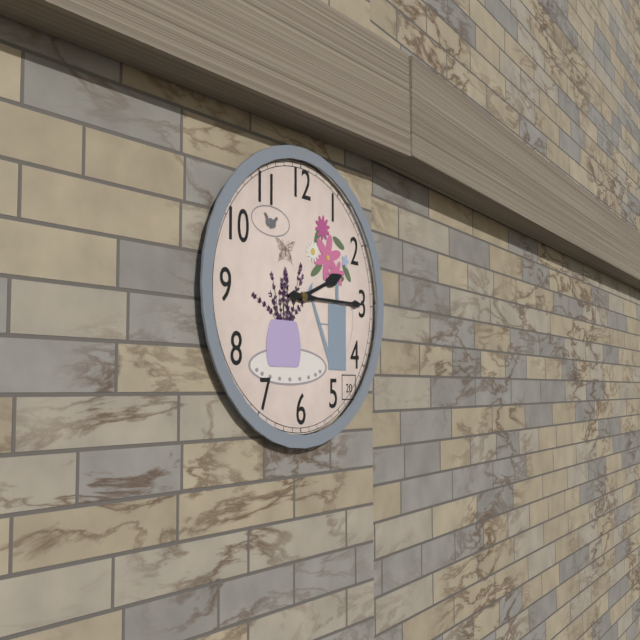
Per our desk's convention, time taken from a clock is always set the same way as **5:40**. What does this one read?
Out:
**2:15**
